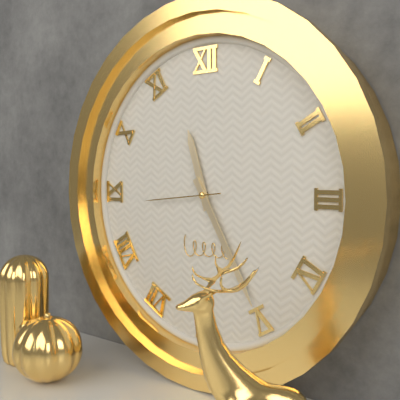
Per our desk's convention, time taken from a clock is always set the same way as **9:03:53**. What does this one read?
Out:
**11:25:44**
